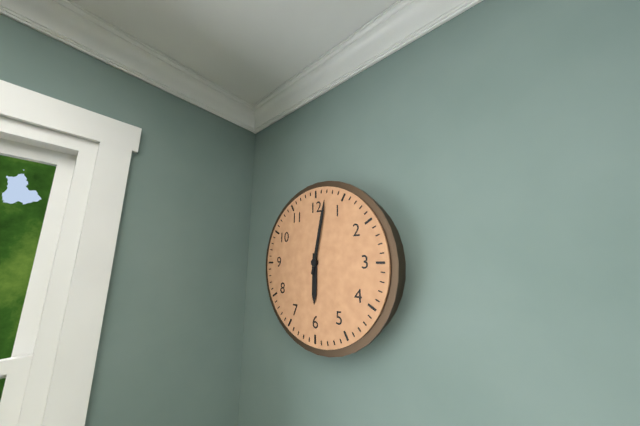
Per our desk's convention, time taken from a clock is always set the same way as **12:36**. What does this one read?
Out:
**6:02**
